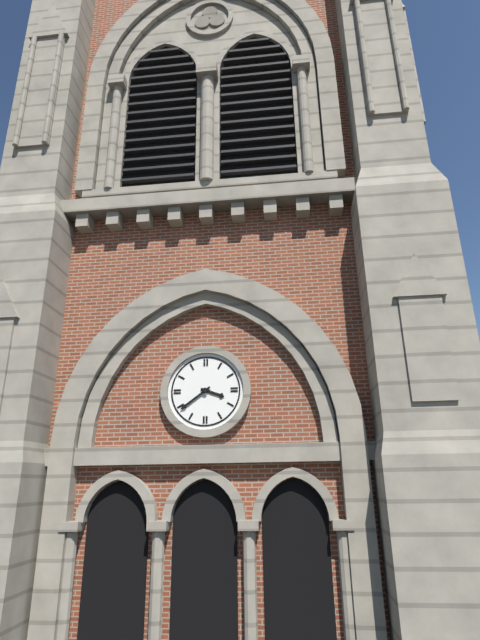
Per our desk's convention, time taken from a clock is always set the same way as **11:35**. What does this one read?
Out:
**3:39**
